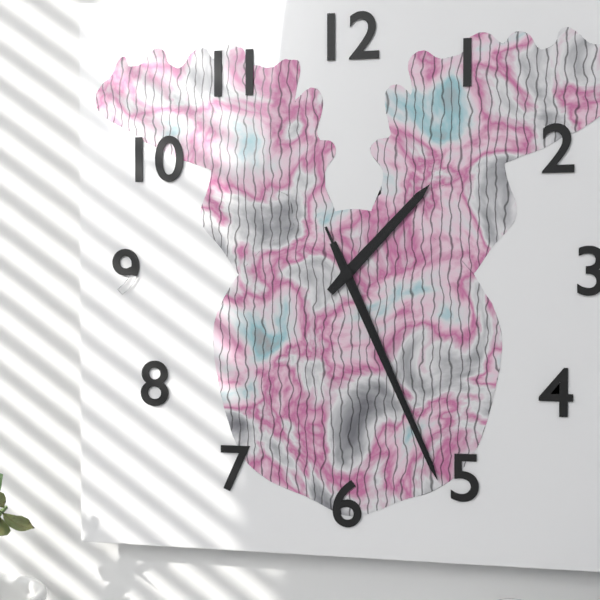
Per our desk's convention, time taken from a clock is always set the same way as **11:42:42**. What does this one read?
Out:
**1:26:26**
